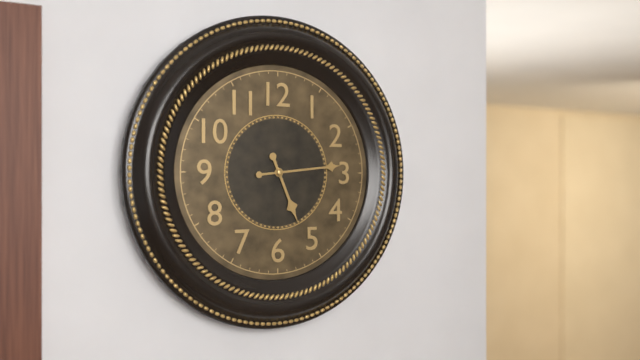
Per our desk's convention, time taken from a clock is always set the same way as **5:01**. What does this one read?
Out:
**5:14**
